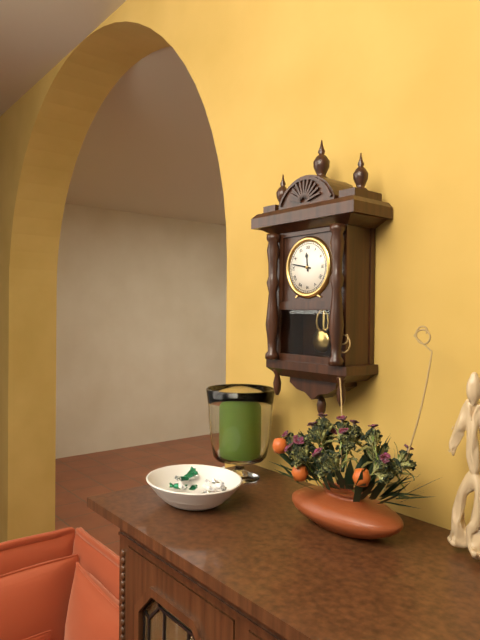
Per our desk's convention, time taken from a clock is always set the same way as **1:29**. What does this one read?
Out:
**11:47**
